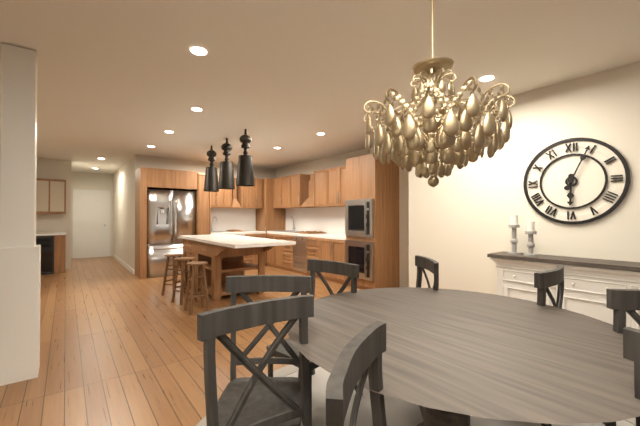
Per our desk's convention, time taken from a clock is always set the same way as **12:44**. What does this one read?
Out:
**6:04**
